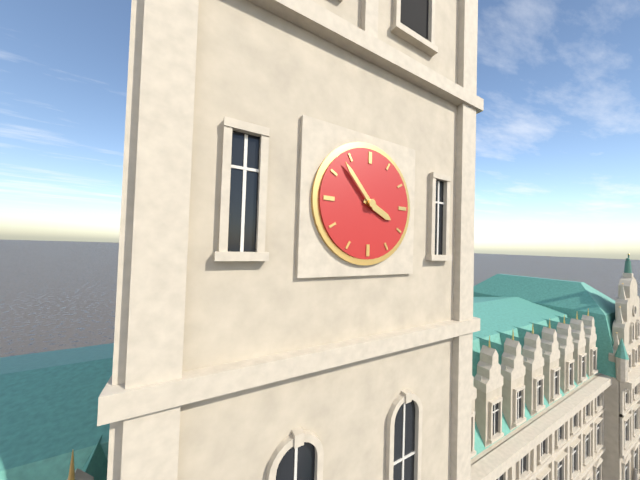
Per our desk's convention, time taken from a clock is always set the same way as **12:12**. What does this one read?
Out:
**3:53**
